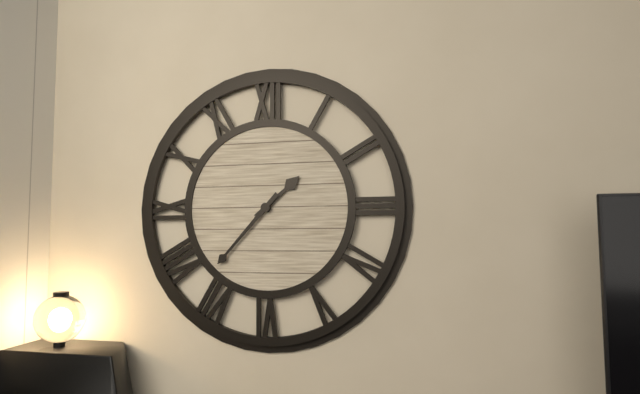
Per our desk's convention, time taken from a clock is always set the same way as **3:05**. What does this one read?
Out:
**1:37**
